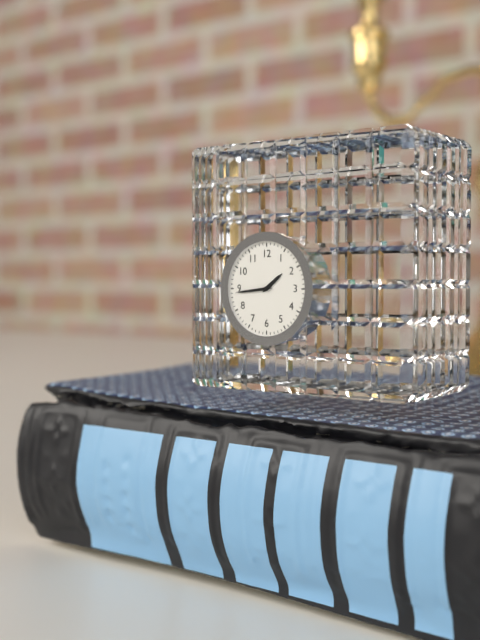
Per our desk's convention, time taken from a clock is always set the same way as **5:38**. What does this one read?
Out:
**1:44**
